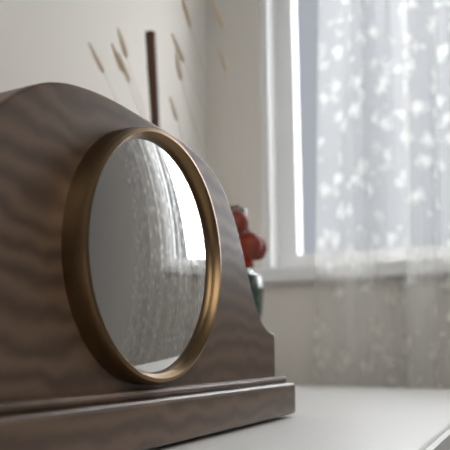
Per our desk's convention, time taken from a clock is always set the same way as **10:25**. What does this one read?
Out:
**11:02**
